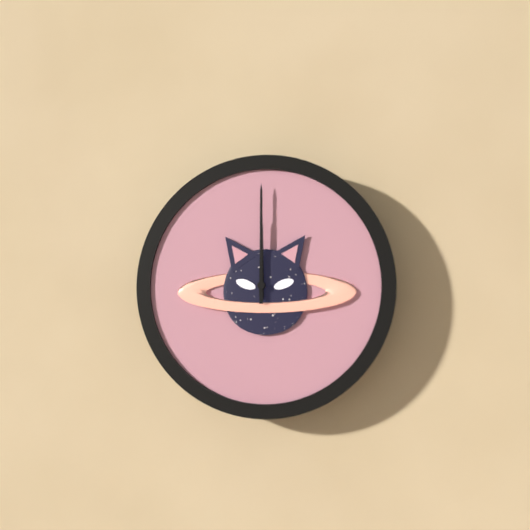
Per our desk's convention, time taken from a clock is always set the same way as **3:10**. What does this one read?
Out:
**12:00**
